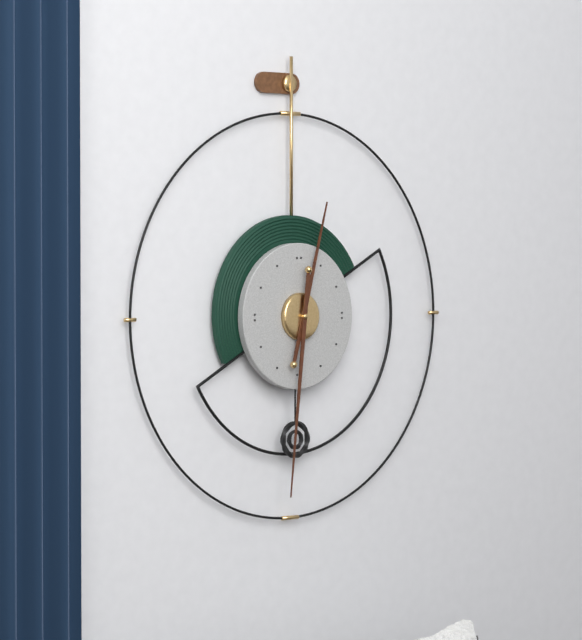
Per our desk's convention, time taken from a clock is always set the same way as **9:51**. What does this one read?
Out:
**12:31**
